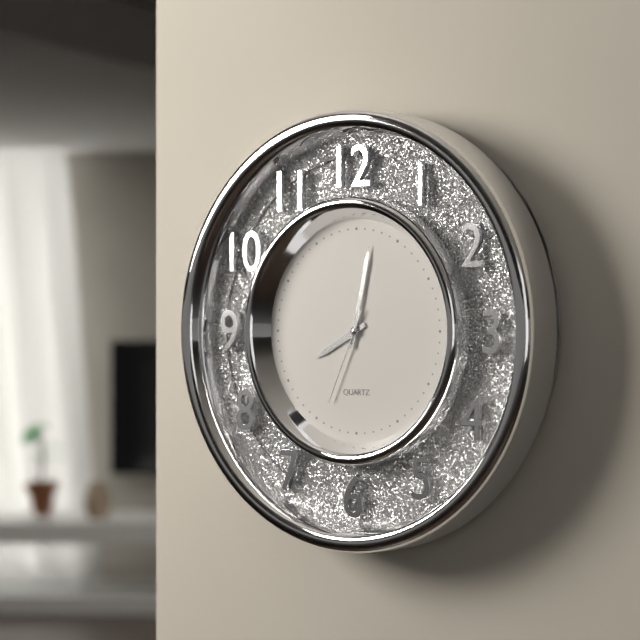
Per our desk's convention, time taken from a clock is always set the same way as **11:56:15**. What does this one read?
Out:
**8:02:34**
